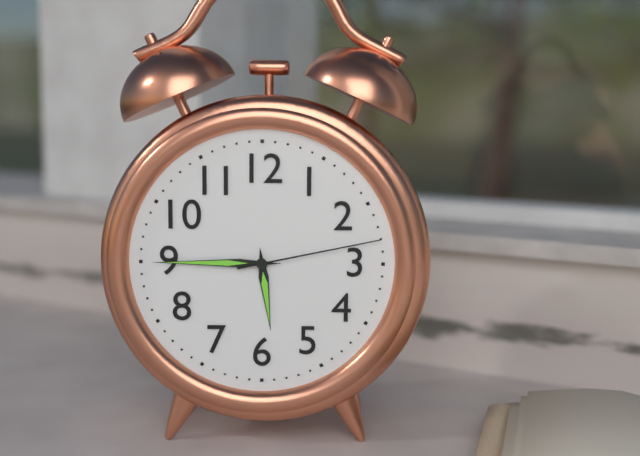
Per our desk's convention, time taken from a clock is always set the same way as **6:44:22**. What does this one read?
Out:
**5:45:13**
